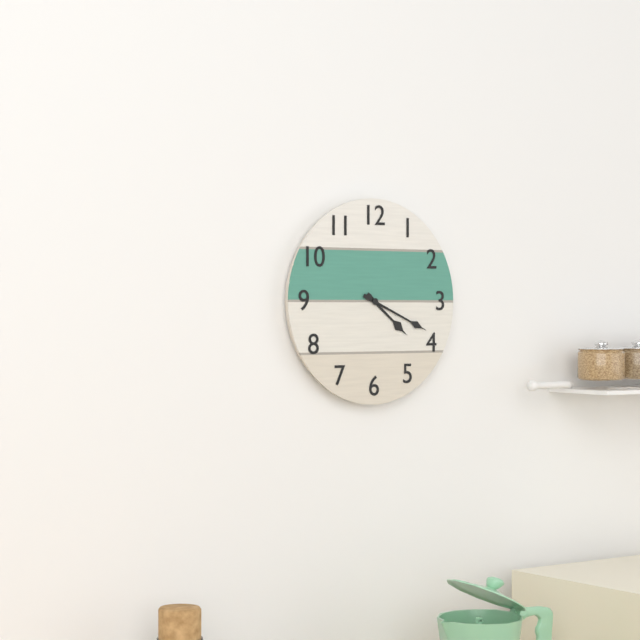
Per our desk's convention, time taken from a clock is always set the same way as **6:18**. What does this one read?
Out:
**4:19**
